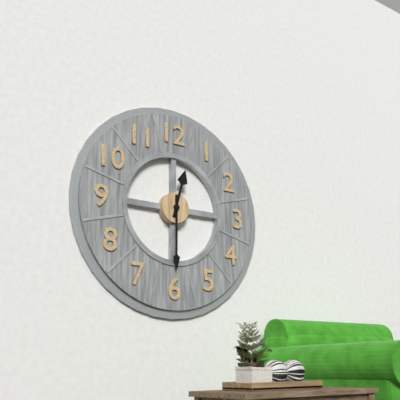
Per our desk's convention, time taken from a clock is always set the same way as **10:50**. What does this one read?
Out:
**12:30**
